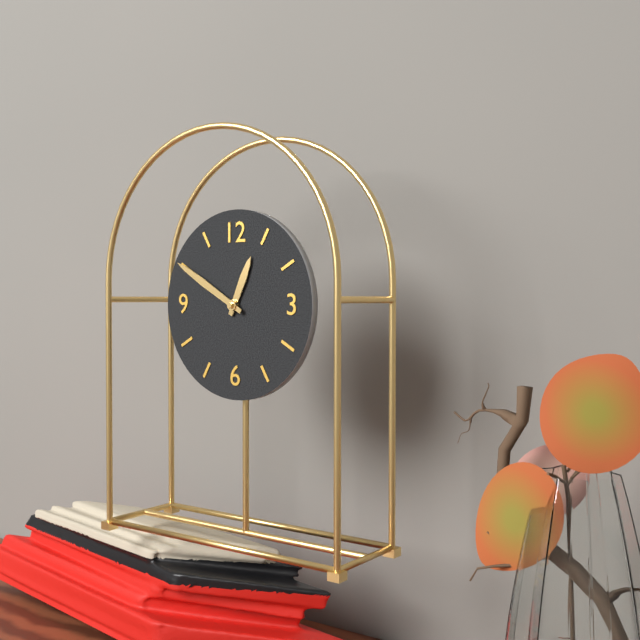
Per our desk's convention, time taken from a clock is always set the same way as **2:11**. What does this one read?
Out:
**12:50**
